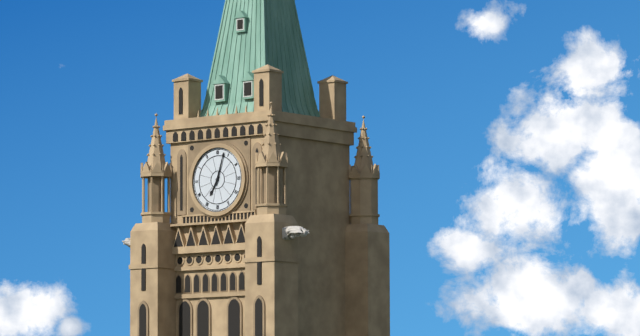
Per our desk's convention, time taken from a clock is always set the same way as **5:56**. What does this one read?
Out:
**7:03**
